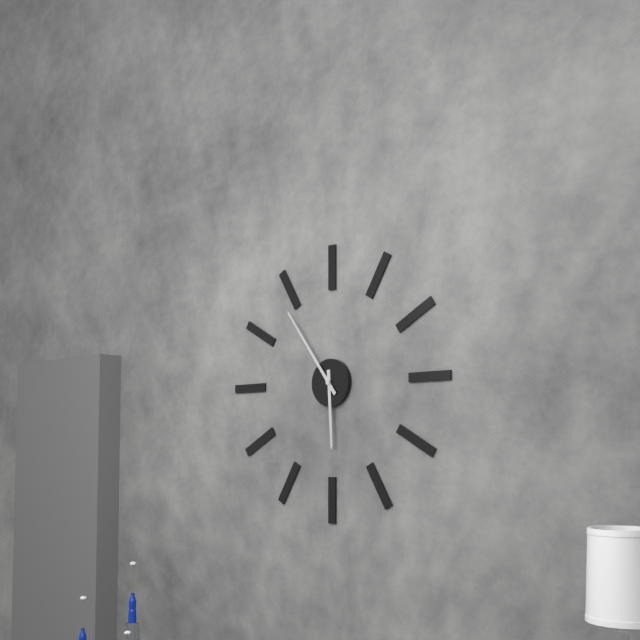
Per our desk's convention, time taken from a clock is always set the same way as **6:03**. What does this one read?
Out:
**5:54**
